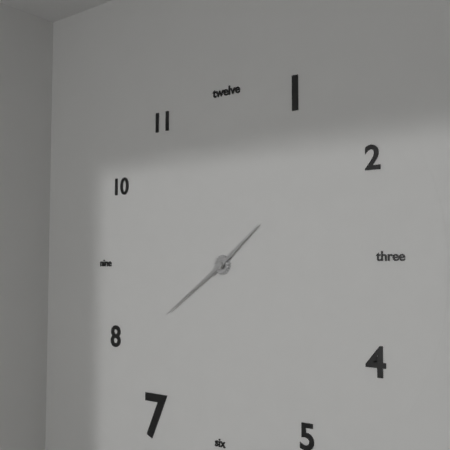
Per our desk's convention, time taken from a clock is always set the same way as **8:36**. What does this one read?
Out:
**1:39**
